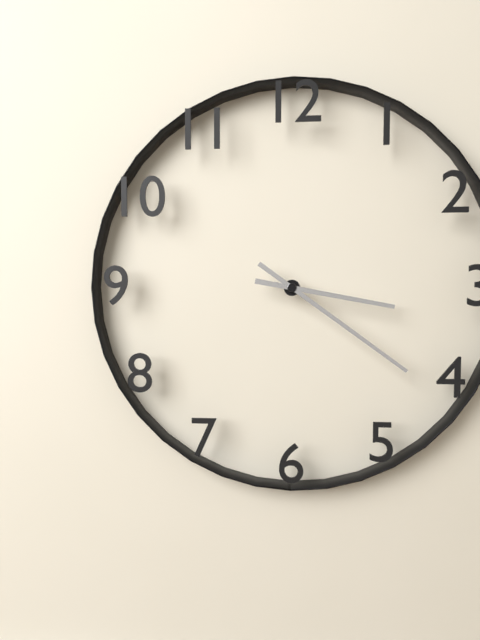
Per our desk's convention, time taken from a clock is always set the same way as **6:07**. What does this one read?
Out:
**3:21**
